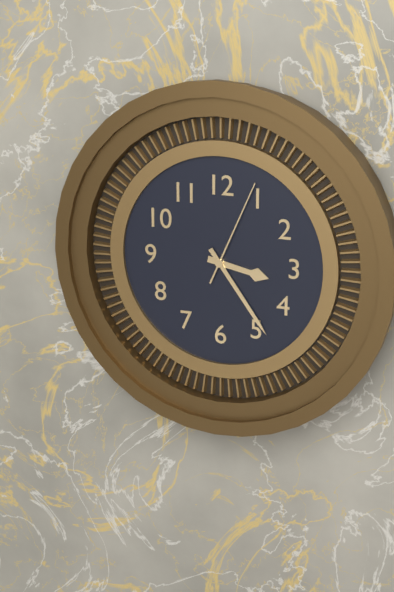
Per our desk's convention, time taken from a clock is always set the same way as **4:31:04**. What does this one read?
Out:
**3:24:04**
